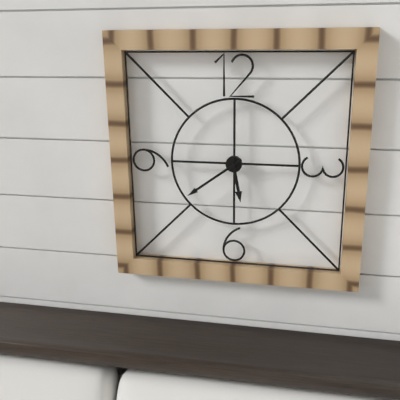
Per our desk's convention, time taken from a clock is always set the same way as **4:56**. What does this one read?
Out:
**5:39**
